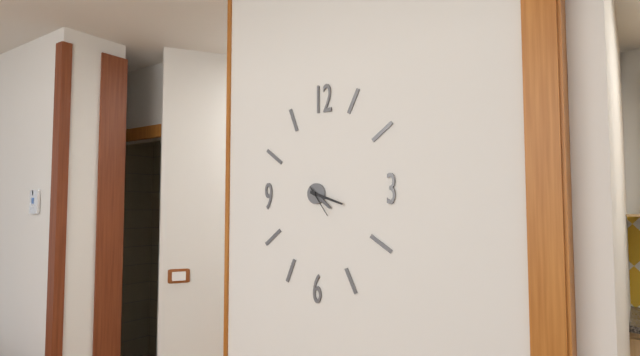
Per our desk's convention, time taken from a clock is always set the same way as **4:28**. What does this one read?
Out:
**4:18**
